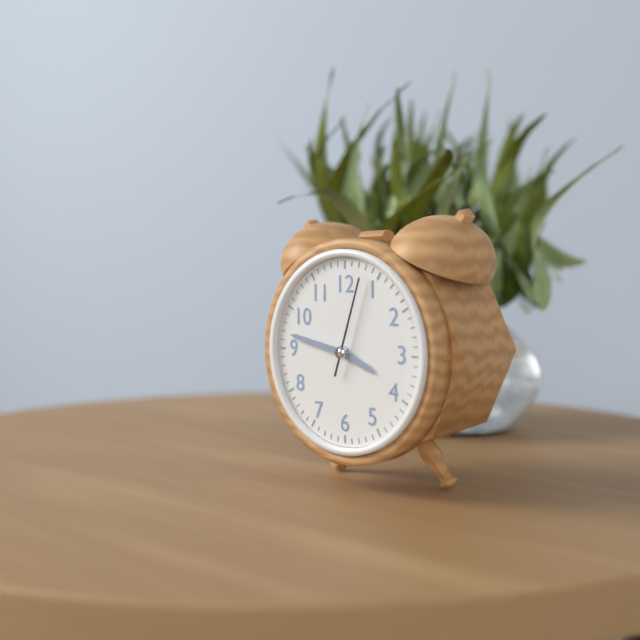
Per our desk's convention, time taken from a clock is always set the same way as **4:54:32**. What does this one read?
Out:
**3:47:03**
